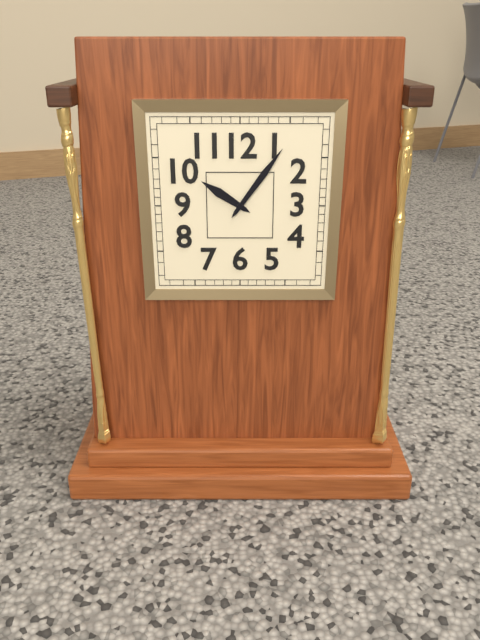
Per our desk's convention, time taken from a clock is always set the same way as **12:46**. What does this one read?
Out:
**10:06**
